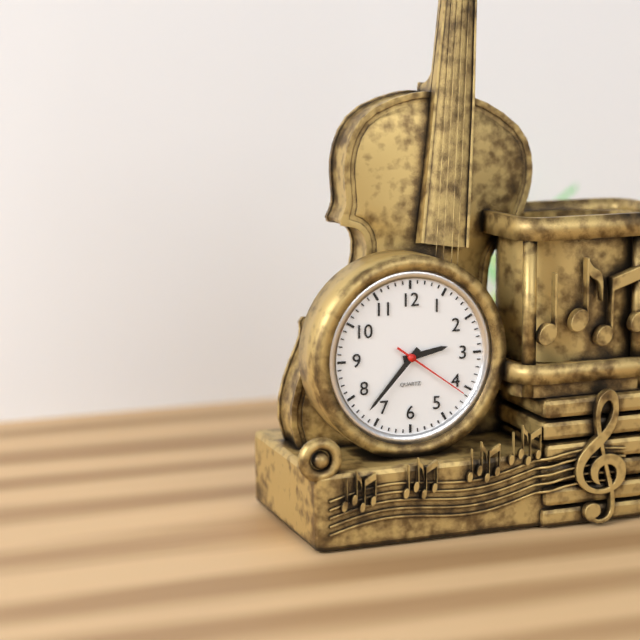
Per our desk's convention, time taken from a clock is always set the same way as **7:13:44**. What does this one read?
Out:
**2:37:21**
